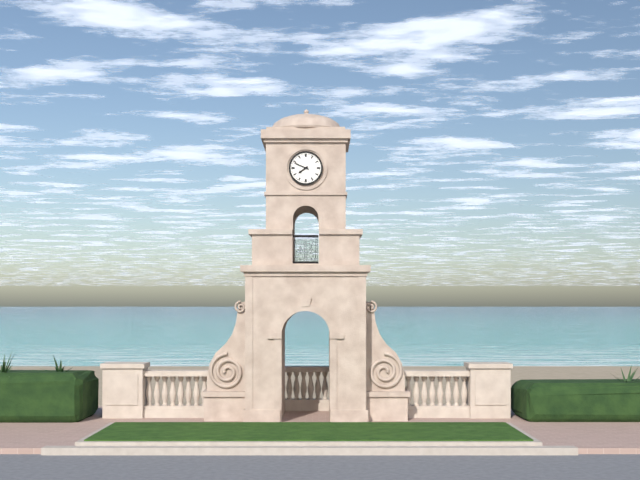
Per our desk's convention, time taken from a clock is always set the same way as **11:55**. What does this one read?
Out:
**7:49**
